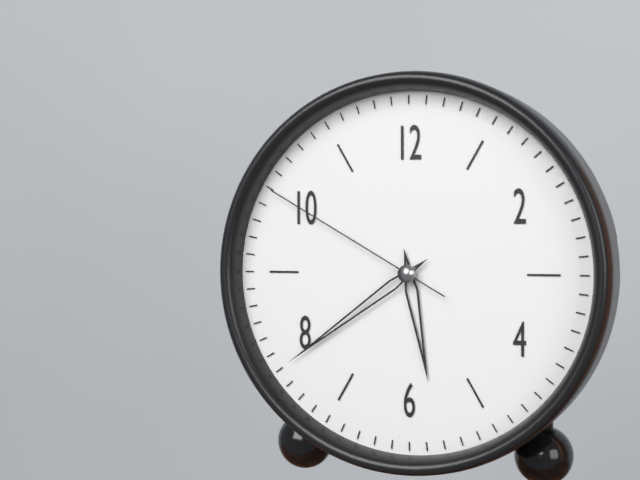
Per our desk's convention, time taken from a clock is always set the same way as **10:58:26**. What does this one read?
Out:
**5:39:50**
